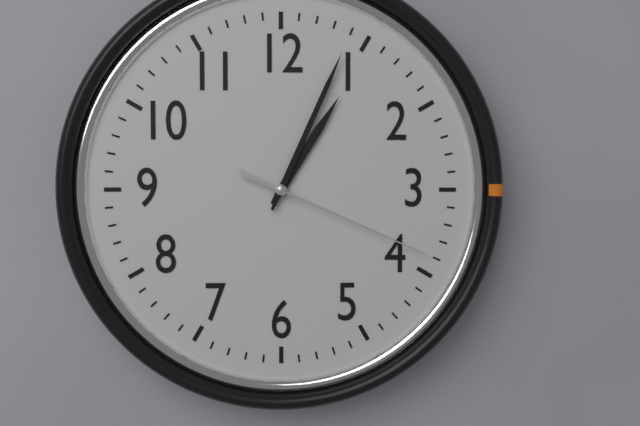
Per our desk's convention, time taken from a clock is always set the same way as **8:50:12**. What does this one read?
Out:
**1:04:19**
